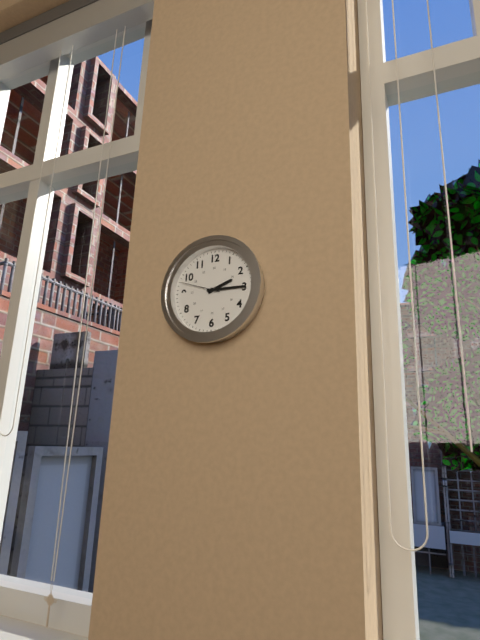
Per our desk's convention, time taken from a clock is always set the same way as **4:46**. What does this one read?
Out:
**2:15**
